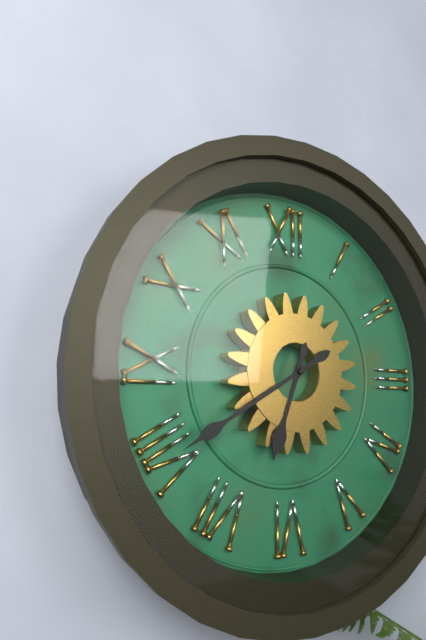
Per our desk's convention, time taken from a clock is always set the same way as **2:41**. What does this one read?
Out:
**6:40**
